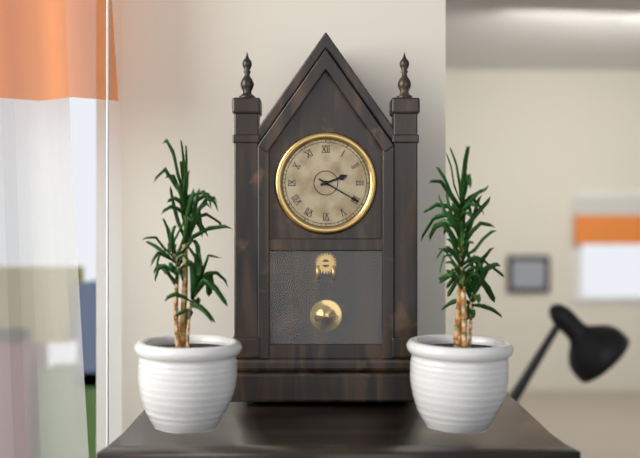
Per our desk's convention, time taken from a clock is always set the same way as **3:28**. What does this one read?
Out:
**2:20**
